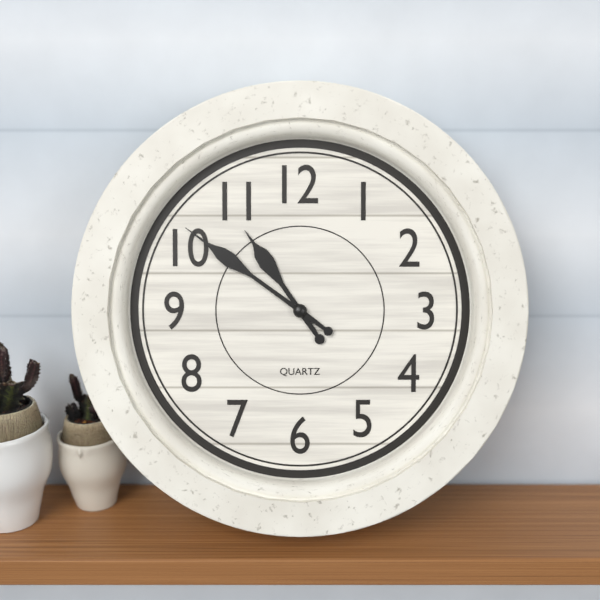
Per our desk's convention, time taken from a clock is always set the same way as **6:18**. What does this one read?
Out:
**10:51**
